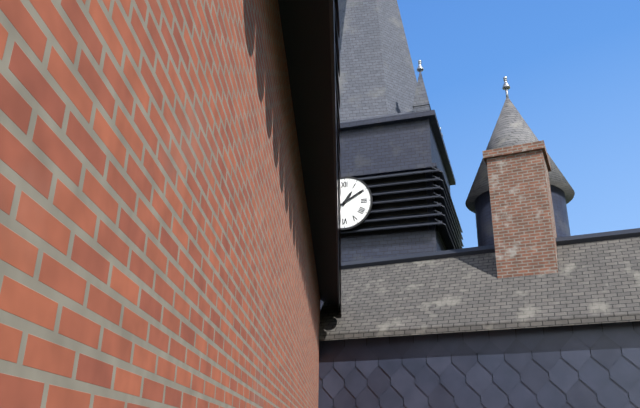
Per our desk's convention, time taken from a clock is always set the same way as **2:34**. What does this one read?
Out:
**1:10**
